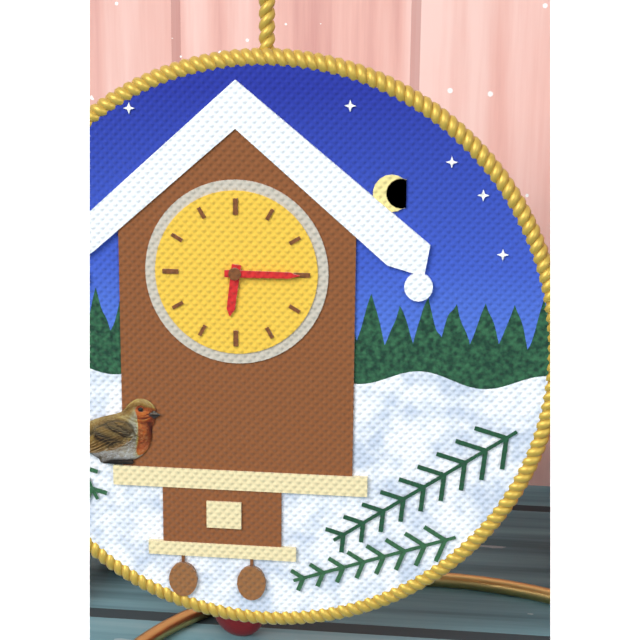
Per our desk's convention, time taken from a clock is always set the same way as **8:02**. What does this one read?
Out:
**6:15**
